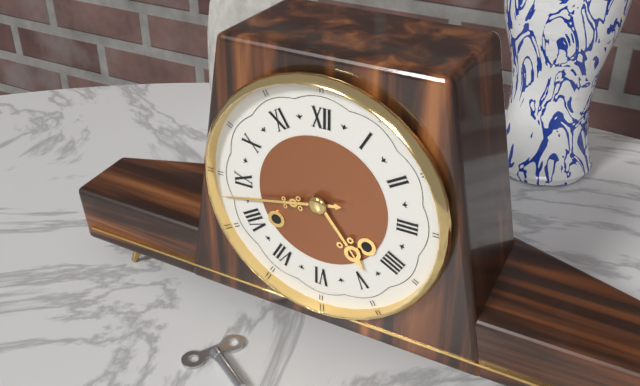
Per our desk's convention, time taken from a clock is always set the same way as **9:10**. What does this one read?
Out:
**4:43**
